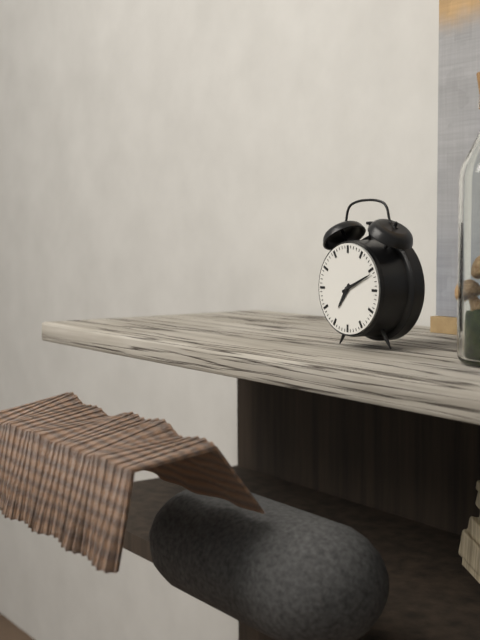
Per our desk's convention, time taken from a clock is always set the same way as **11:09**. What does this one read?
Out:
**7:11**
